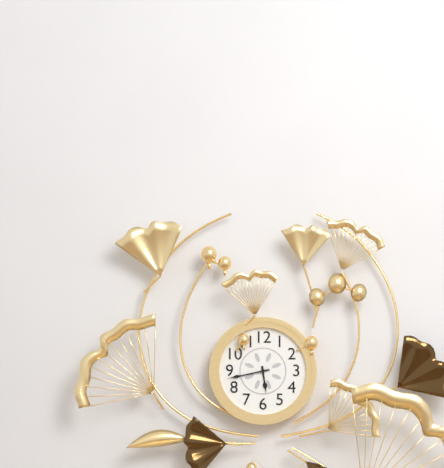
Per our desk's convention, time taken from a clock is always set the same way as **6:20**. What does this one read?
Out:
**5:43**
